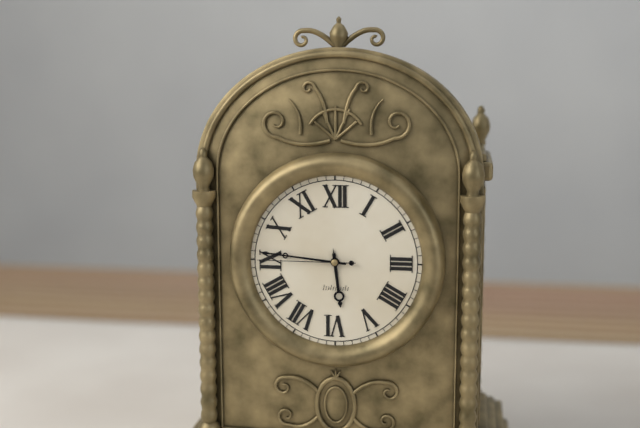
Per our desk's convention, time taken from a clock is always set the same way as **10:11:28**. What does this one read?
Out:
**5:46:45**
